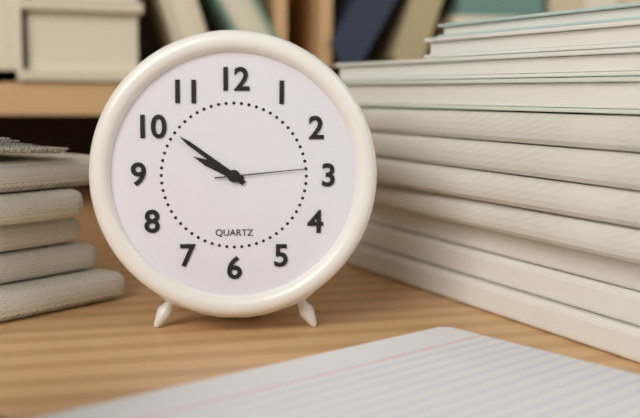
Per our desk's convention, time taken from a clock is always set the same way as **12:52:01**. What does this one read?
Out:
**9:51:14**
